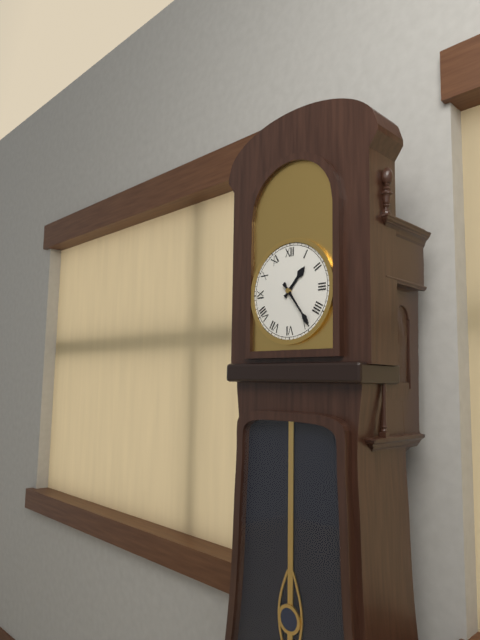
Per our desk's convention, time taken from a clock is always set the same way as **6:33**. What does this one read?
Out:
**1:24**
